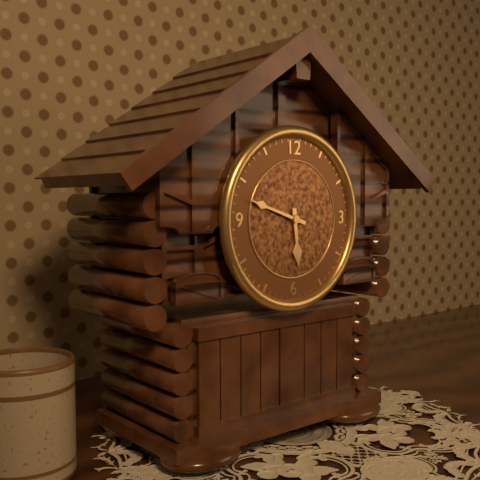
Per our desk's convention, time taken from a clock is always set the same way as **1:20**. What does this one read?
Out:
**5:48**
